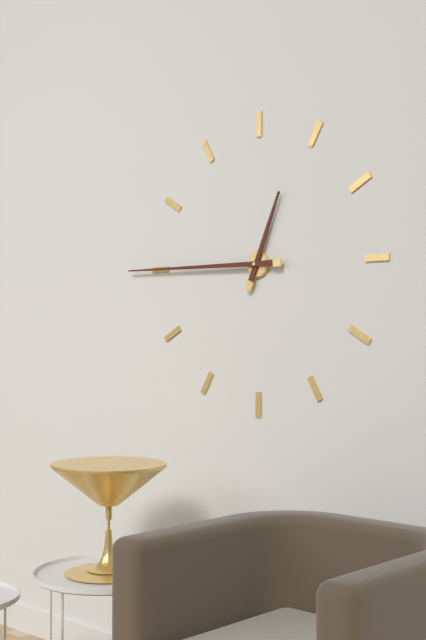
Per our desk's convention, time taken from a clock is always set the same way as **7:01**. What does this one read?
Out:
**12:45**
